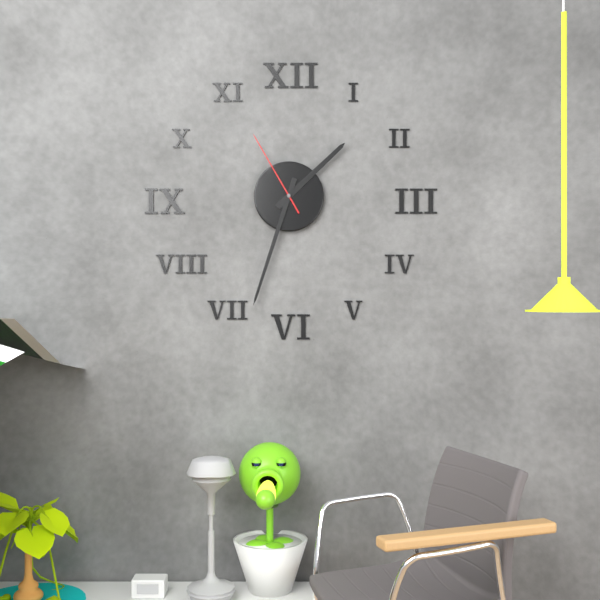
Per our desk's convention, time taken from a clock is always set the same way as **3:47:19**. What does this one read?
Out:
**1:33:55**
